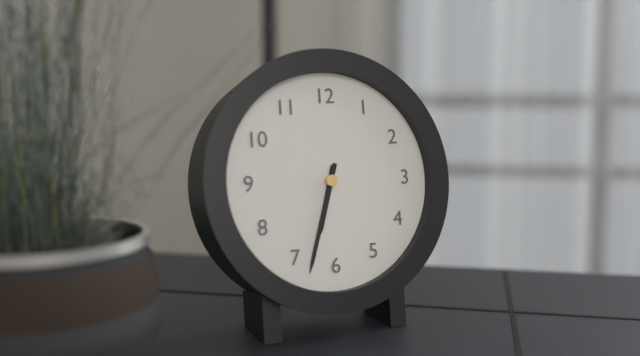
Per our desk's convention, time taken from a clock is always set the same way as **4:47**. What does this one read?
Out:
**6:33**
